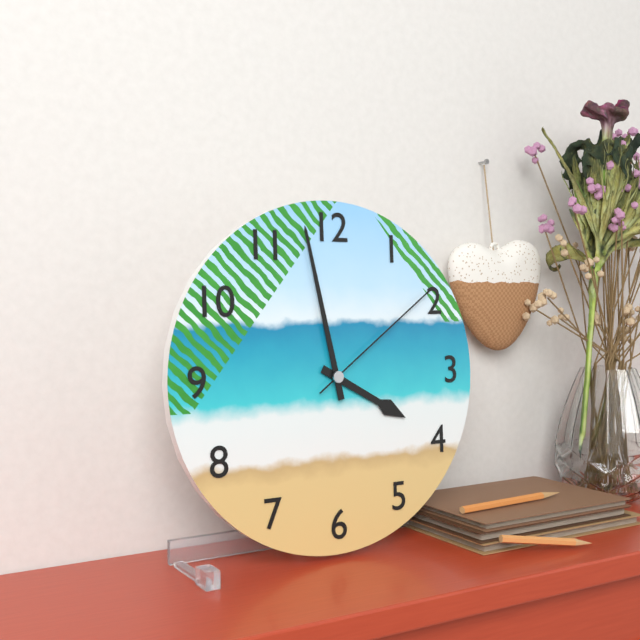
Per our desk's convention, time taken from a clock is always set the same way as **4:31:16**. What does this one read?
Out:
**3:58:09**
